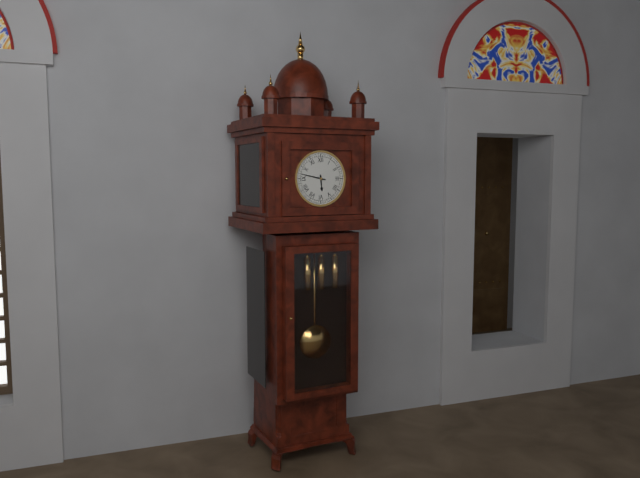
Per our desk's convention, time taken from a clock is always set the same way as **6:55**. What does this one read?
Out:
**5:47**
